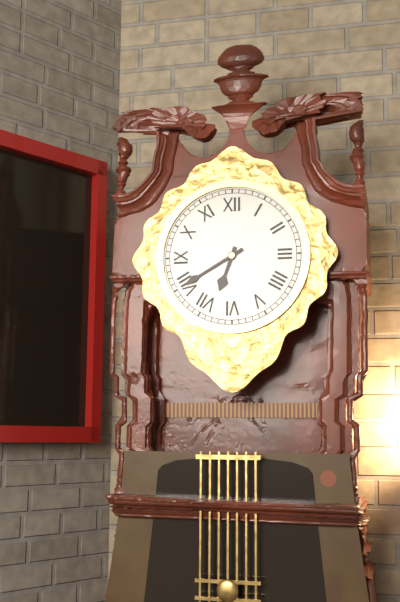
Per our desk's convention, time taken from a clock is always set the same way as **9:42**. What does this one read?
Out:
**6:40**
